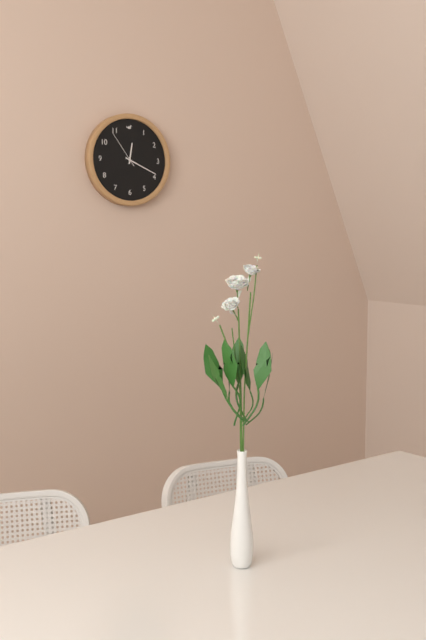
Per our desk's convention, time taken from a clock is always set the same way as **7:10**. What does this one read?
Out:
**12:19**
